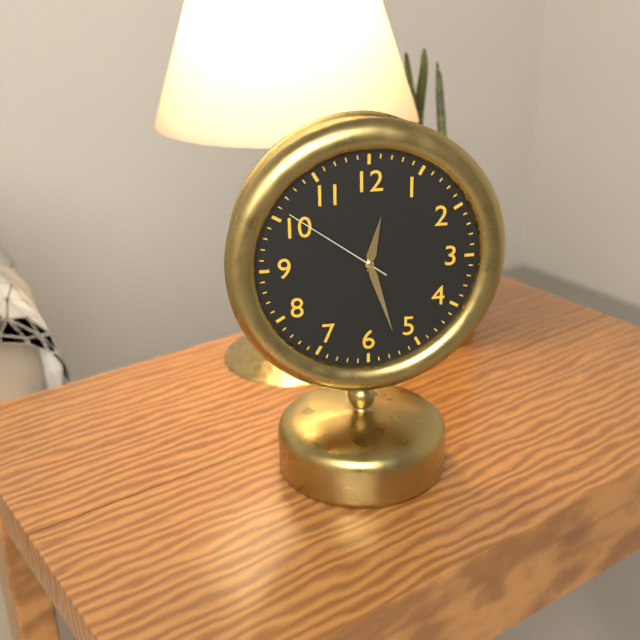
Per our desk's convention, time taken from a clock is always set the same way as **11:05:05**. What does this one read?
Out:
**12:27:51**
